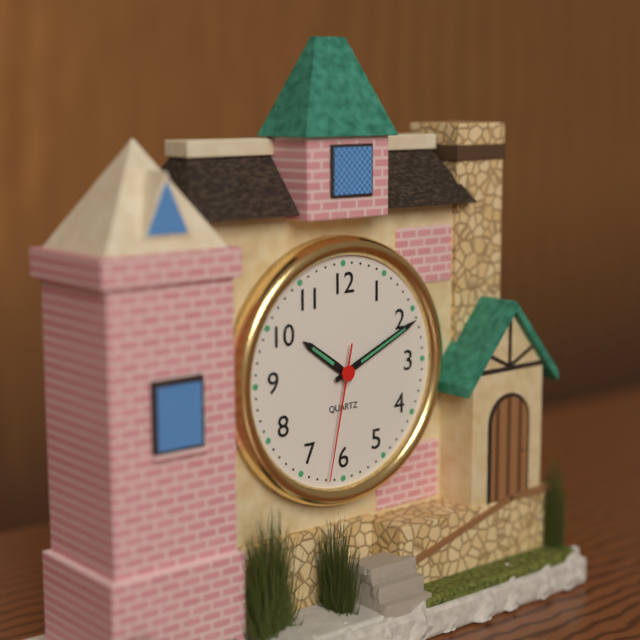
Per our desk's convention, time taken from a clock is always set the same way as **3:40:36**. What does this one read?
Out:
**10:11:32**
